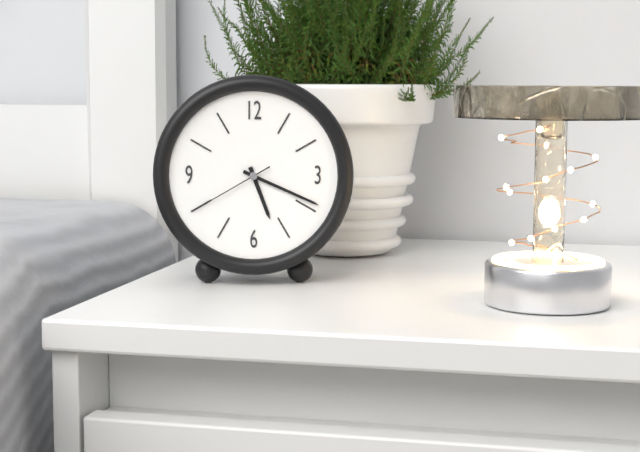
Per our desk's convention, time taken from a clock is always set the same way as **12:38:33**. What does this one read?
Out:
**5:19:40**
